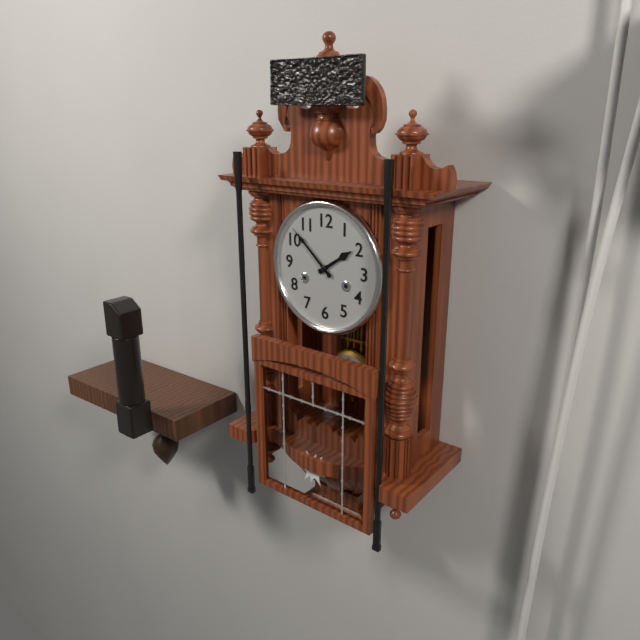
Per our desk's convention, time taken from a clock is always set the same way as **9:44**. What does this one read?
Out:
**1:52**
